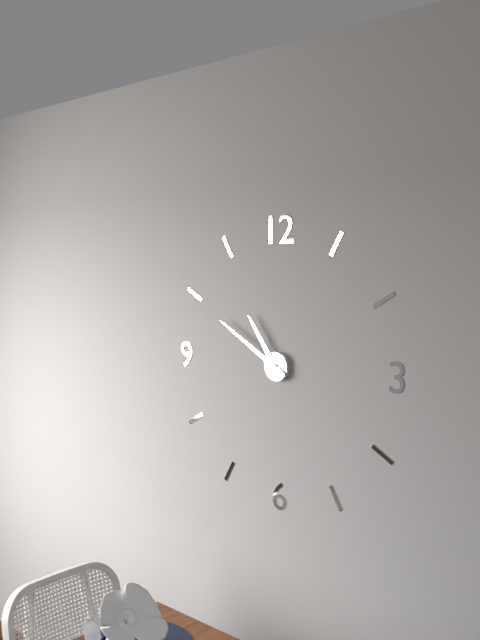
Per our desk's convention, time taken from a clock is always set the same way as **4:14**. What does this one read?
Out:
**10:50**
